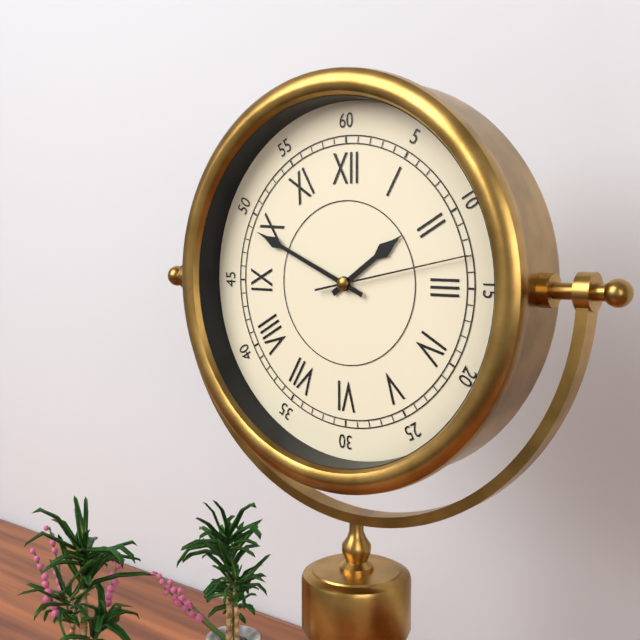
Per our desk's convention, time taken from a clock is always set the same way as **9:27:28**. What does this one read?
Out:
**1:49:13**
